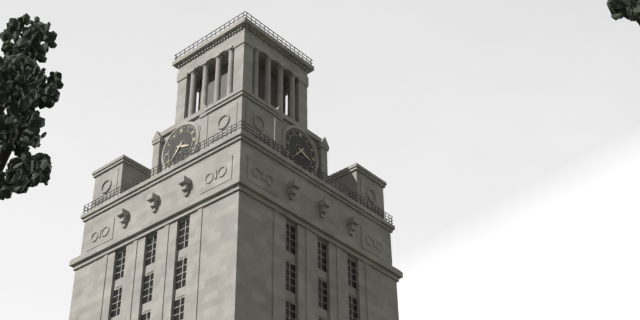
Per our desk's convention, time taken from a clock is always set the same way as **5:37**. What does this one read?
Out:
**3:37**
